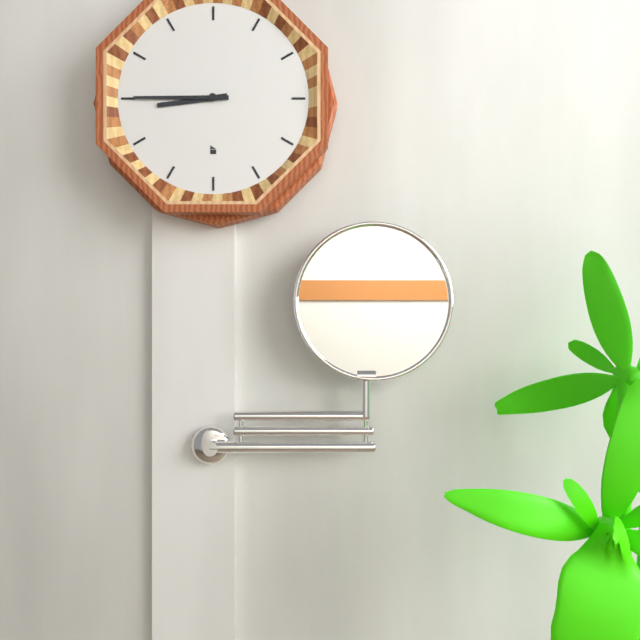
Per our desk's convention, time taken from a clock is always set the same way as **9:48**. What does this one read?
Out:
**8:45**
